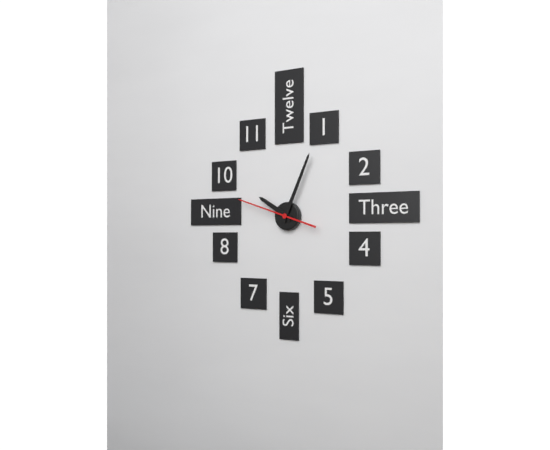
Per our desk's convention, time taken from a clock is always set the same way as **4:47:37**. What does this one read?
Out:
**10:04:48**
